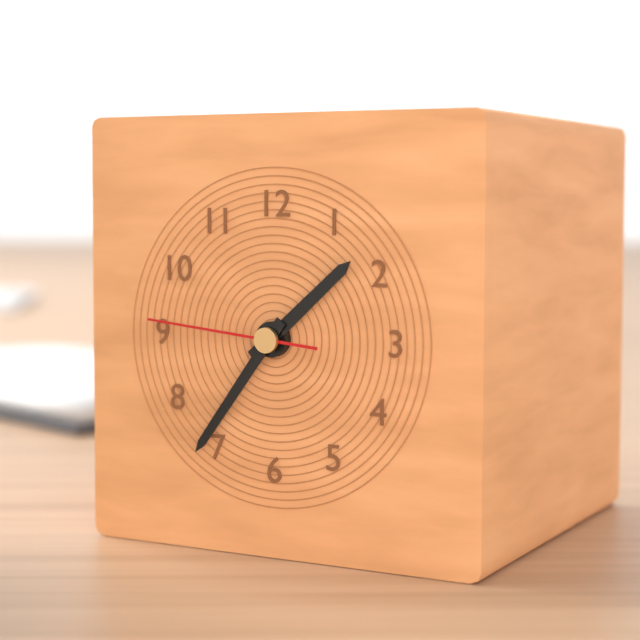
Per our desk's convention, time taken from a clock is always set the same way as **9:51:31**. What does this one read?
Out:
**1:36:46**
